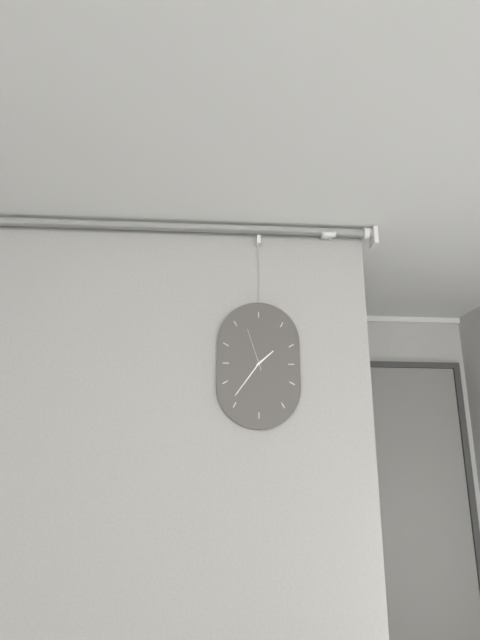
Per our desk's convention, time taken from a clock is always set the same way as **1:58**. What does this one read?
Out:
**1:36**
